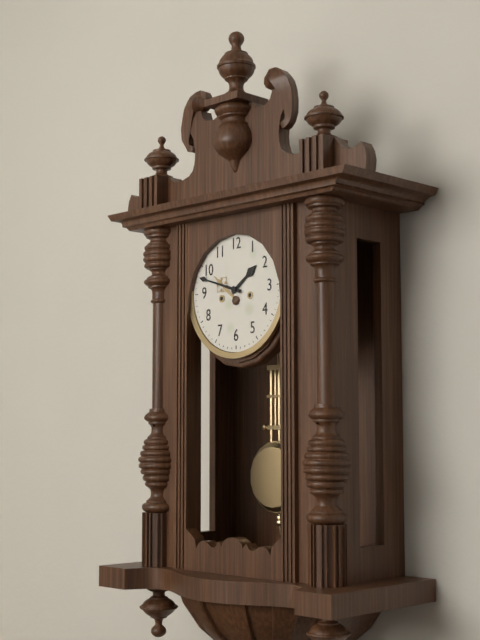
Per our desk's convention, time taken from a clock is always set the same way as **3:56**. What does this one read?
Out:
**1:48**
